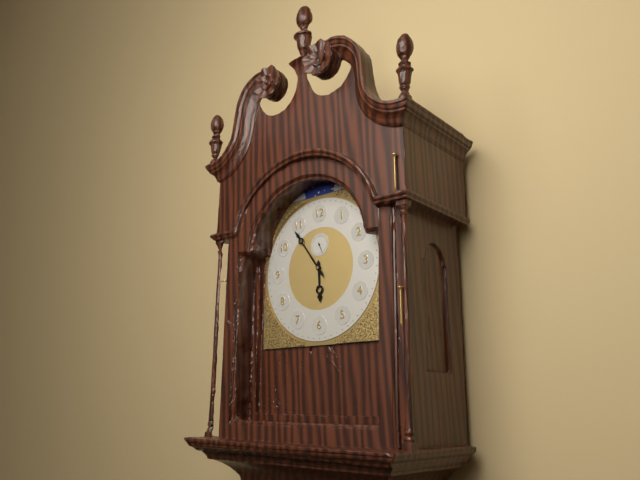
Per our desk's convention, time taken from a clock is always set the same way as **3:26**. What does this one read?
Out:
**5:54**
